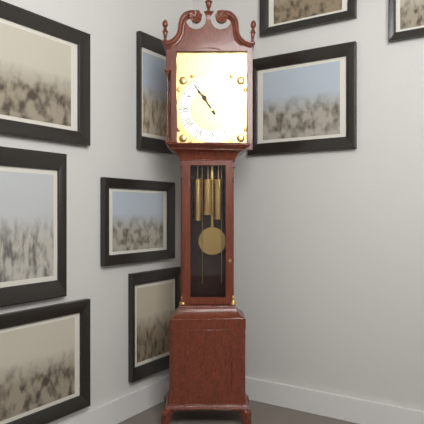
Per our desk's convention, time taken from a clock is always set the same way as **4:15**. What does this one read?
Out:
**10:54**
